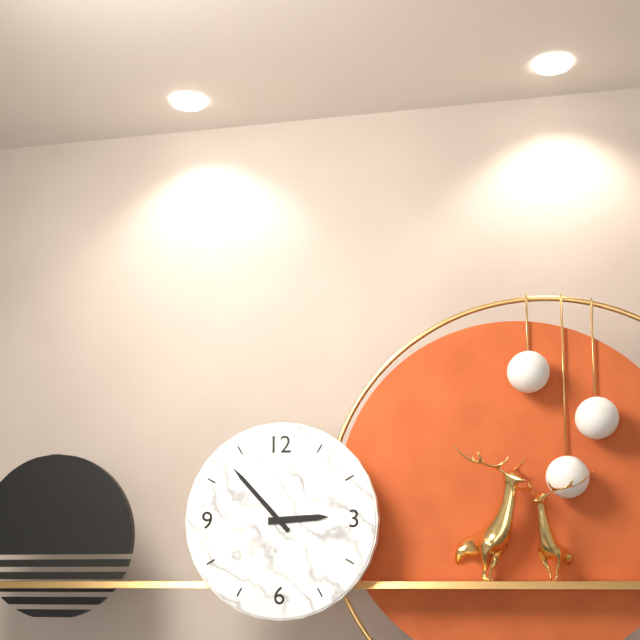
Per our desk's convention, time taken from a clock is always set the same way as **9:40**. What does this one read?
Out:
**2:53**
